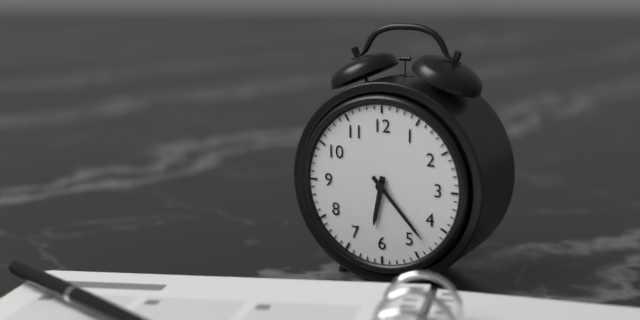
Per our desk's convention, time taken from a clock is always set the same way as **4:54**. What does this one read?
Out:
**6:23**
